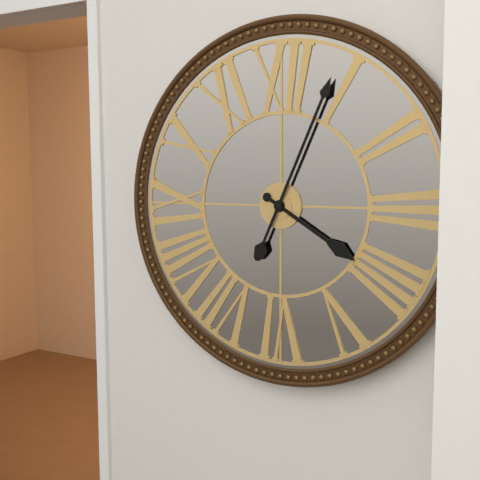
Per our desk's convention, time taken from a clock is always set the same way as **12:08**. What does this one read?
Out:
**4:04**
